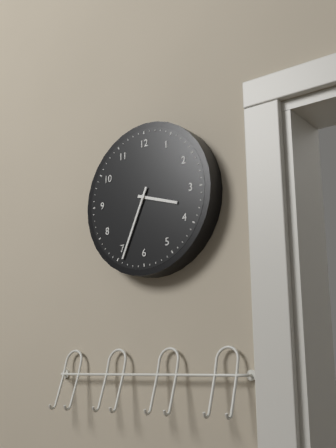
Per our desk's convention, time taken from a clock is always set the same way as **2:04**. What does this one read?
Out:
**3:34**
